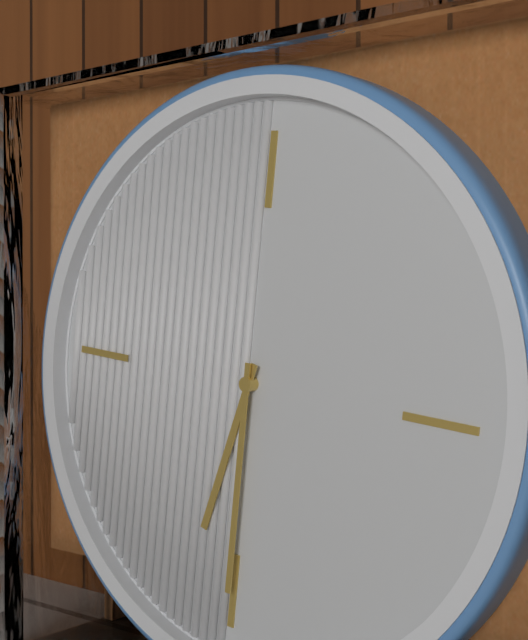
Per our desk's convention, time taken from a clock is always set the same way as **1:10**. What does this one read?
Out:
**6:30**
